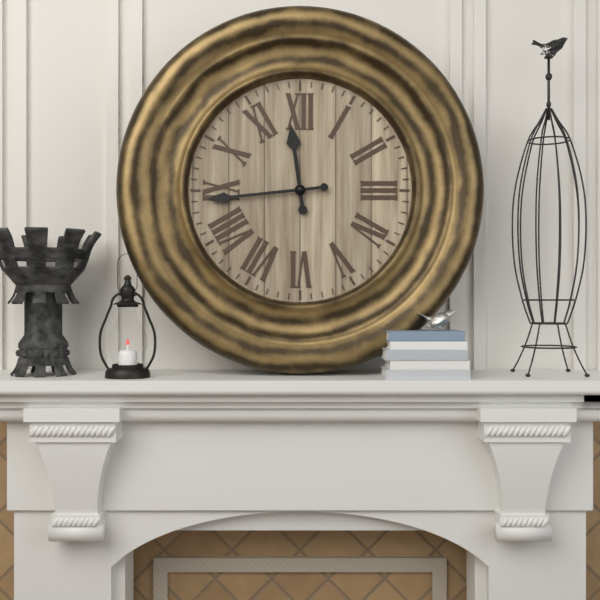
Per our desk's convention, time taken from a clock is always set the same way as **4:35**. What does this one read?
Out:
**11:44**
